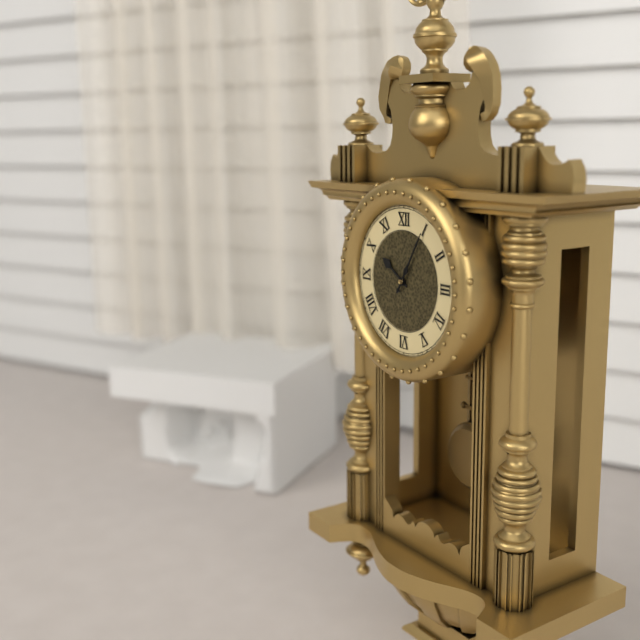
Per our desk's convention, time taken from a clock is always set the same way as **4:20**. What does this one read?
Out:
**10:05**
